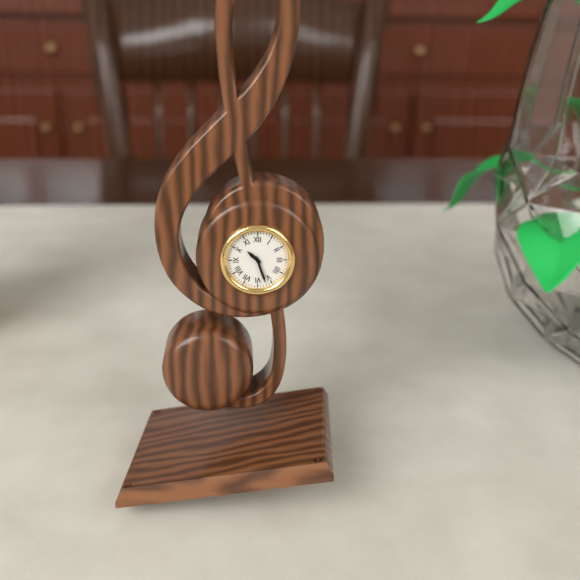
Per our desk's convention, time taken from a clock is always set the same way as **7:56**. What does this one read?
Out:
**10:27**
